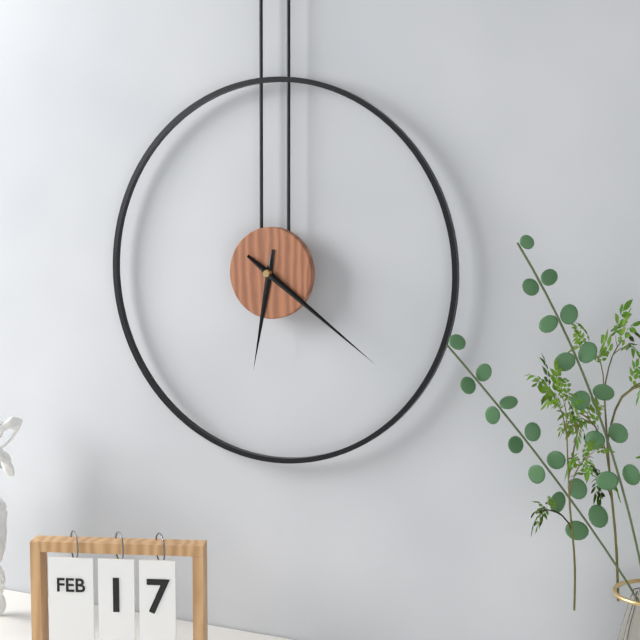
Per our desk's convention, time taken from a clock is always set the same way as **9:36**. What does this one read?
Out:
**6:21**
